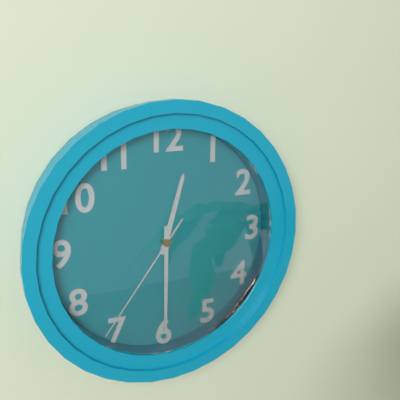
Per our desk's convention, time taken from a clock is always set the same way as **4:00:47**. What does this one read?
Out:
**12:30:36**
